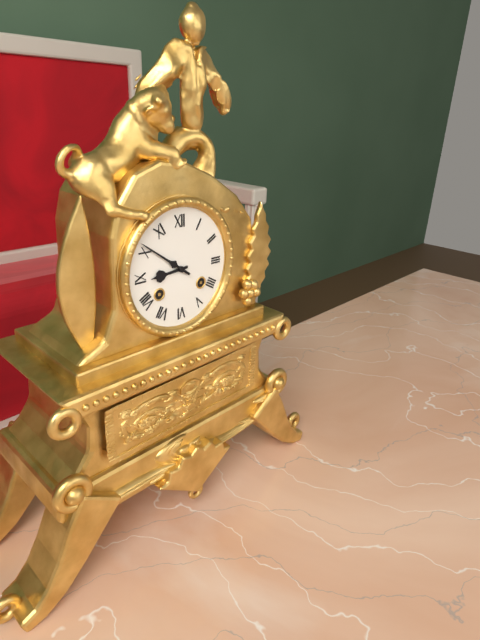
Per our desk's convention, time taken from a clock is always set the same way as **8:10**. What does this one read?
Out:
**8:51**
